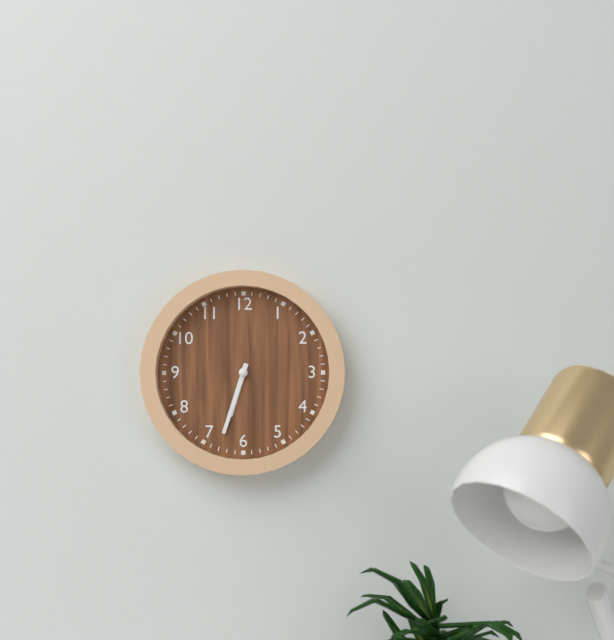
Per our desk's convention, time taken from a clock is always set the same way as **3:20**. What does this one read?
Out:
**6:33**
